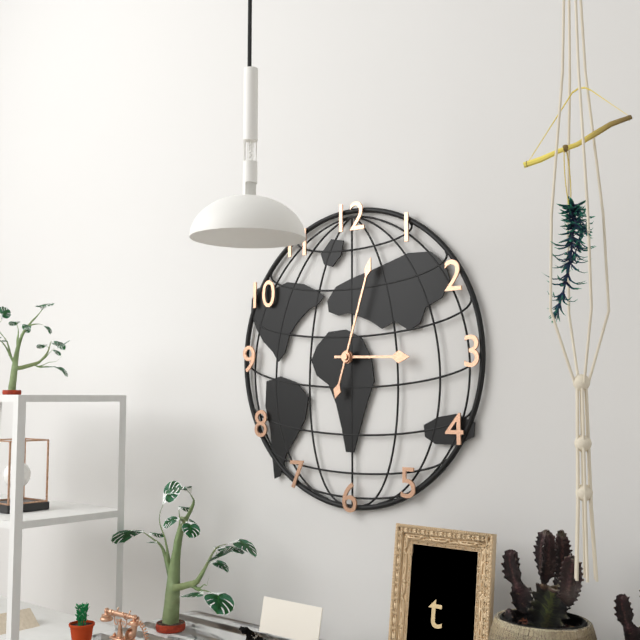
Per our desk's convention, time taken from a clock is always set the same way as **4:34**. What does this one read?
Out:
**3:03**
